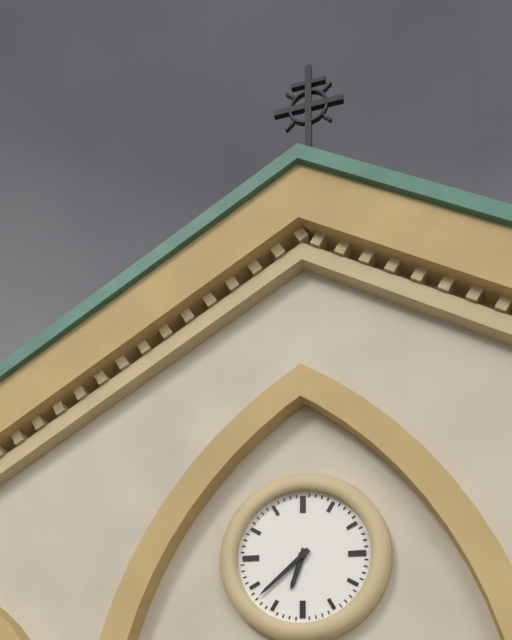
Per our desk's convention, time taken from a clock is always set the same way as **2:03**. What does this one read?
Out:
**6:38**
